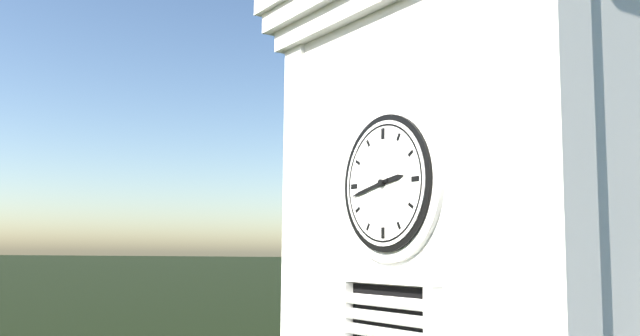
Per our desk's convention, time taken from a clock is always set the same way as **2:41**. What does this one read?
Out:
**2:43**
